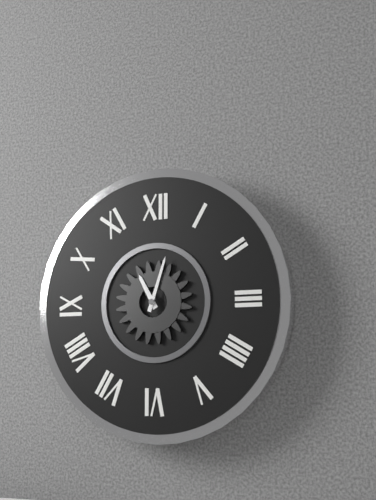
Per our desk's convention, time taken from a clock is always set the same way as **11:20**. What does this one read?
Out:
**11:03**
